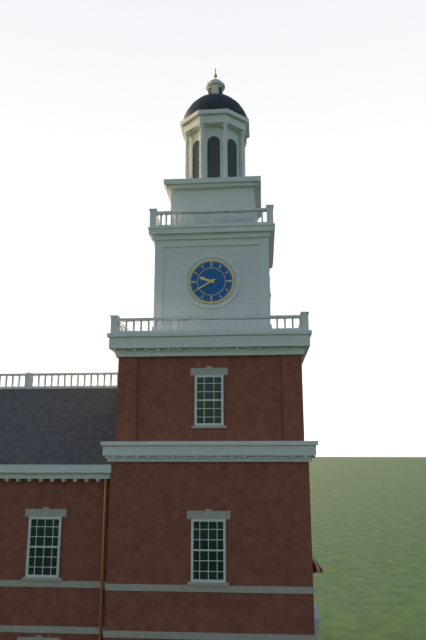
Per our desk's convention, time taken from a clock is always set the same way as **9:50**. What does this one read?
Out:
**9:40**
